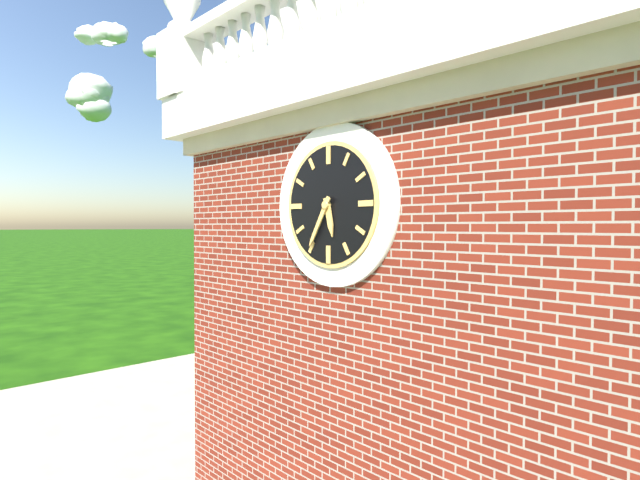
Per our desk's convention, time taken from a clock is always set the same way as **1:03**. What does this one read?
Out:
**5:35**
